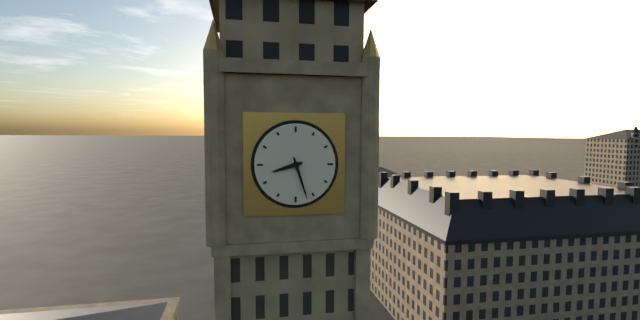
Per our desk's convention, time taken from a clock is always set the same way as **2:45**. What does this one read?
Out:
**8:27**
